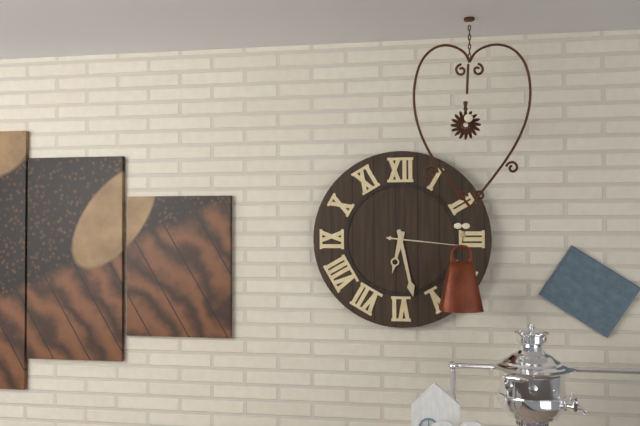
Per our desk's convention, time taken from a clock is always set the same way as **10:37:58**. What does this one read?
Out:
**6:28:16**
